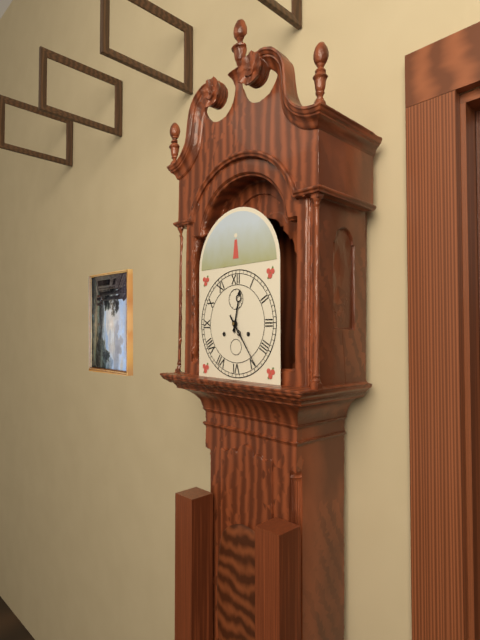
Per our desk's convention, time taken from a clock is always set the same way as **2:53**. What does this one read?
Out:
**12:24**
